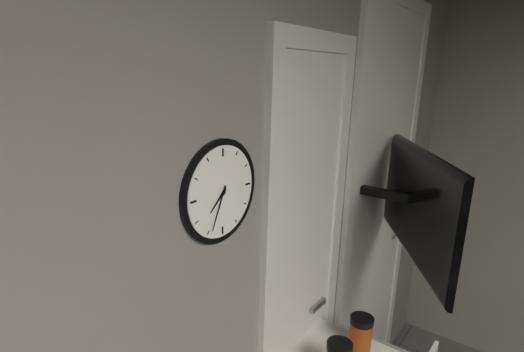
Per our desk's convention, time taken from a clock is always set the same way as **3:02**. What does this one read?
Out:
**7:34**
